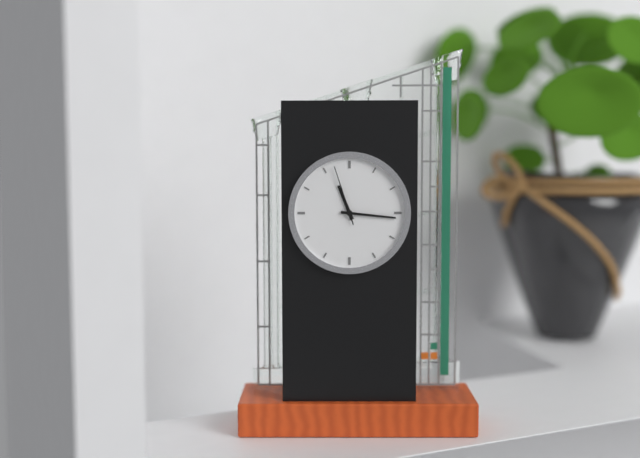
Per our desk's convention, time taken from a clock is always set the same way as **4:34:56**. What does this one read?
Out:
**11:16:57**
